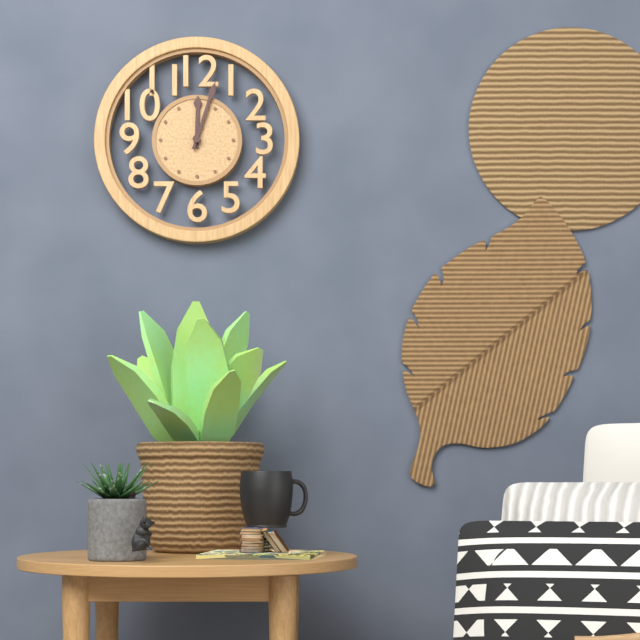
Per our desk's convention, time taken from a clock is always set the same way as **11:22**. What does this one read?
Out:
**12:03**
